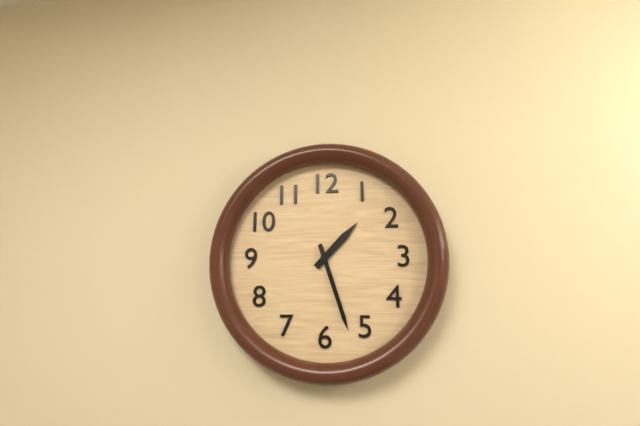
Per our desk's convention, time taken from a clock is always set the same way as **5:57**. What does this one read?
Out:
**1:27**
